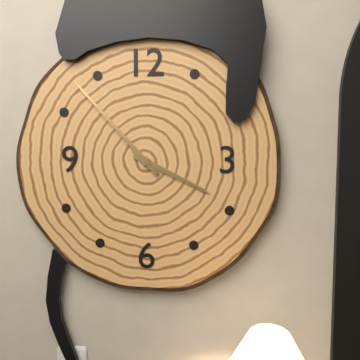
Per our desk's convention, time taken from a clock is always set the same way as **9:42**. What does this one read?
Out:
**3:53**
